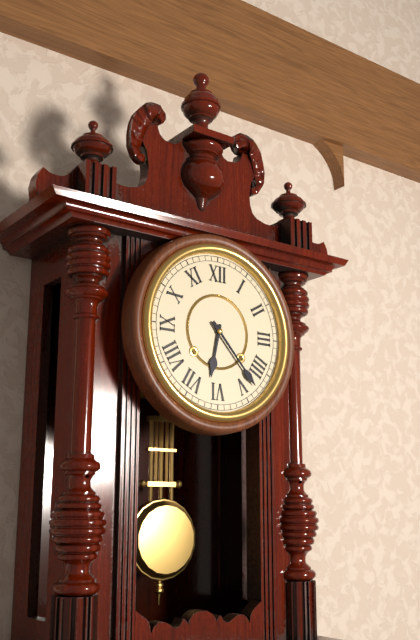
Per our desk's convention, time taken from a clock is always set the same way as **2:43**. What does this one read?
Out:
**6:23**
